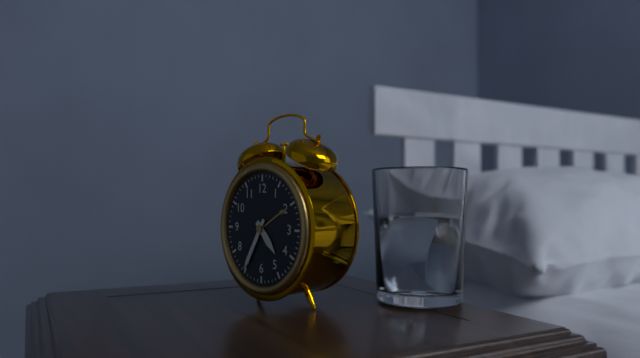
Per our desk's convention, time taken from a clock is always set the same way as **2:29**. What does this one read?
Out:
**4:35**
